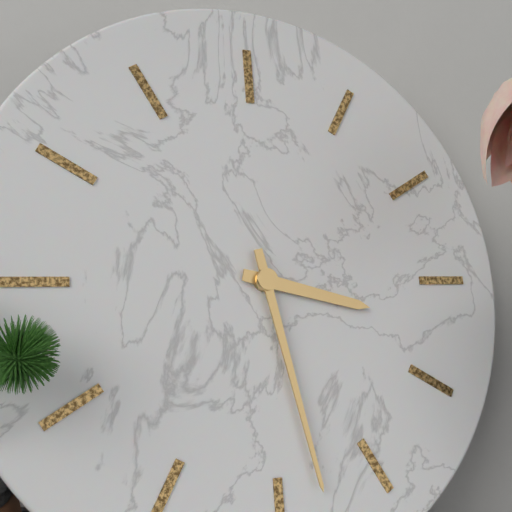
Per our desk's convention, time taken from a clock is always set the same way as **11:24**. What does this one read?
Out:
**3:28**
